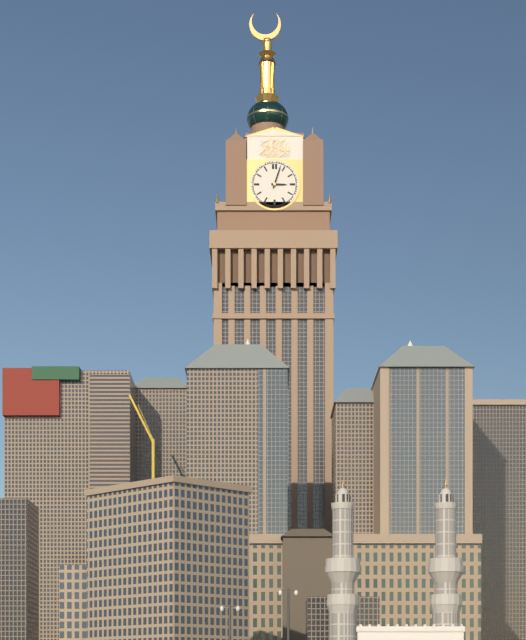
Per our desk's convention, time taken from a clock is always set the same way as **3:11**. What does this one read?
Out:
**3:03**
